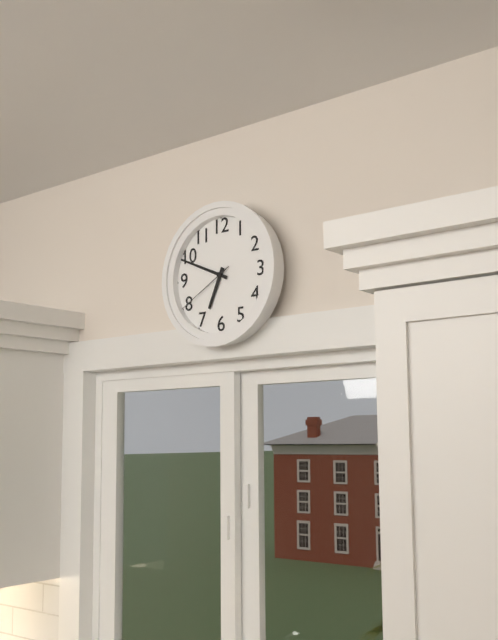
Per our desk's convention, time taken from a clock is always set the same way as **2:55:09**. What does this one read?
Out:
**6:49:40**
